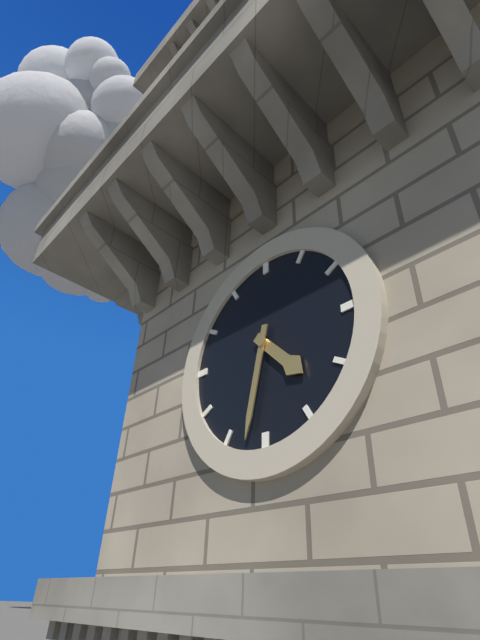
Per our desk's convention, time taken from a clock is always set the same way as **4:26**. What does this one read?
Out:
**4:32**
